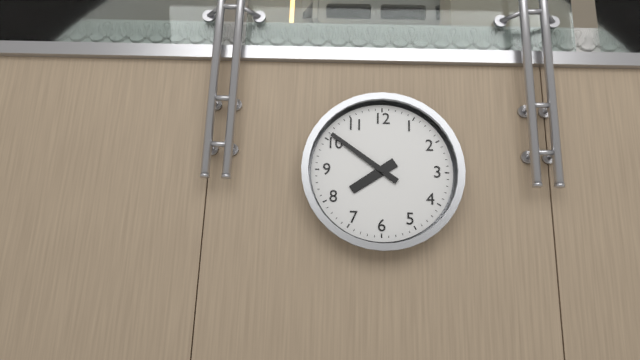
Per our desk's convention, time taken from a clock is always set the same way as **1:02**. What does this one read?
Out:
**7:51**
